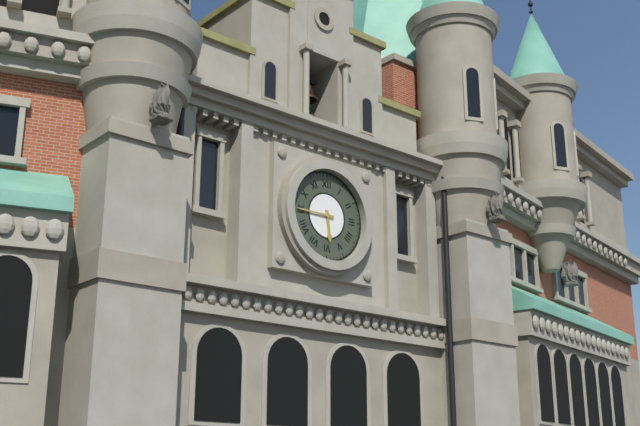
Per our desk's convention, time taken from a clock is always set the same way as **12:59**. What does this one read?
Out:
**5:45**
